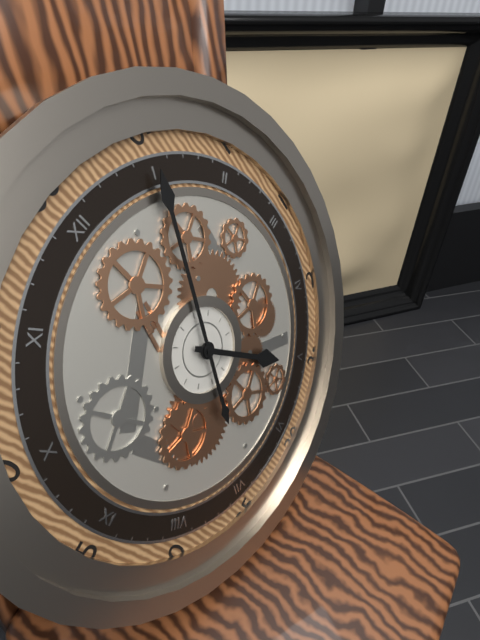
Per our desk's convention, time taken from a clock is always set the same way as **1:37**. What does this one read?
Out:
**5:05**
